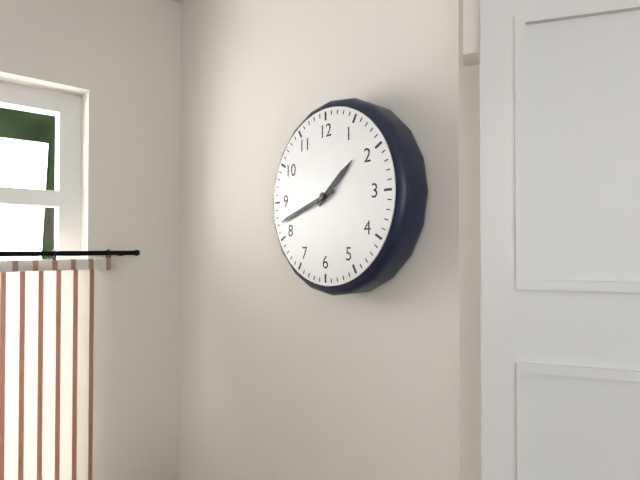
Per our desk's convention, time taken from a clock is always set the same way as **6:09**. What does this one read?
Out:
**1:42**
